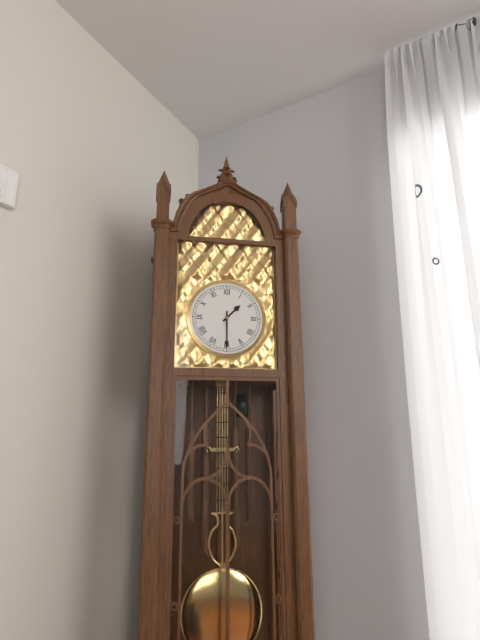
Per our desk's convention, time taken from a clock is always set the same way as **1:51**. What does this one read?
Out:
**1:30**
